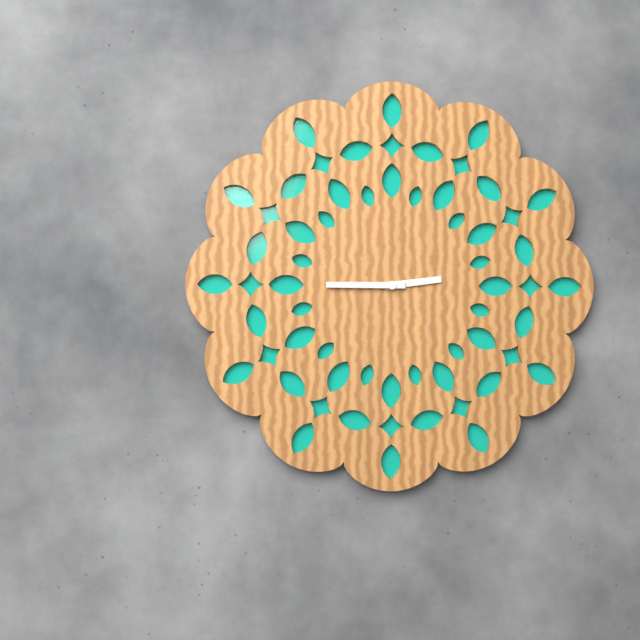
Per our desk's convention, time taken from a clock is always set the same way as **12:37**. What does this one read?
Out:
**2:45**
